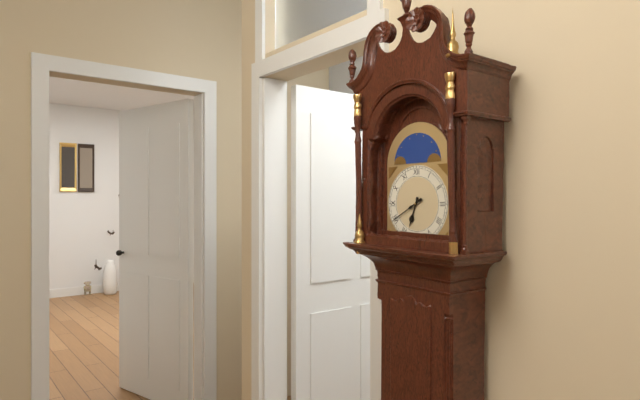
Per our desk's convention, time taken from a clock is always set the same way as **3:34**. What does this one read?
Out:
**6:40**
